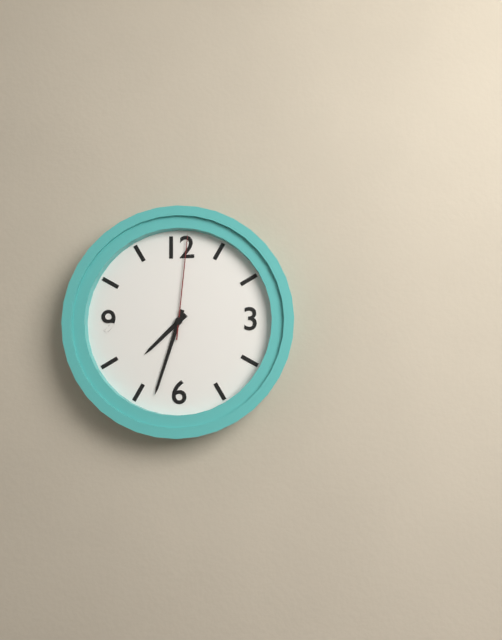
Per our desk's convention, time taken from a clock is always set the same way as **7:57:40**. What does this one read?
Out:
**7:33:01**
